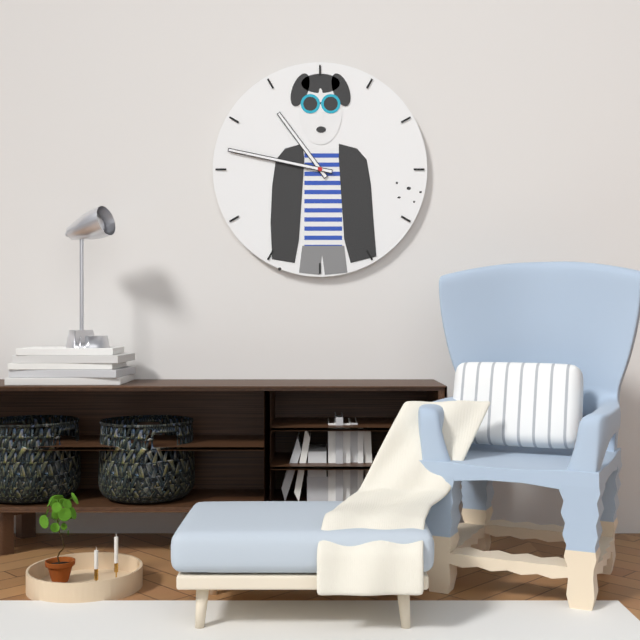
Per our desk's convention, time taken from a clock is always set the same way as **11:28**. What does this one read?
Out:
**10:47**
